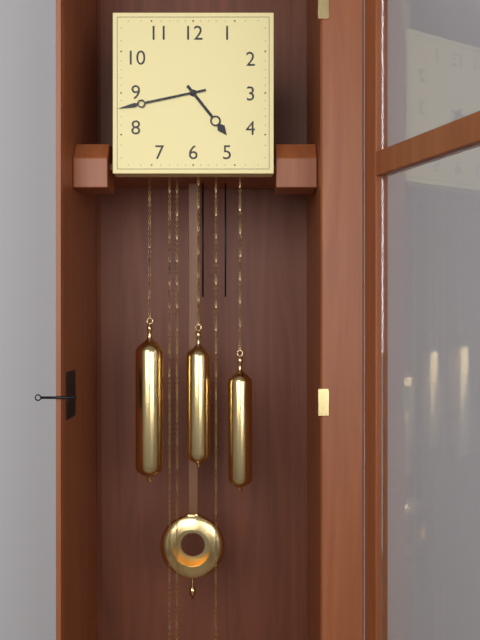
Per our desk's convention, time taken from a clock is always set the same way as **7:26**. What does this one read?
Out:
**4:43**
